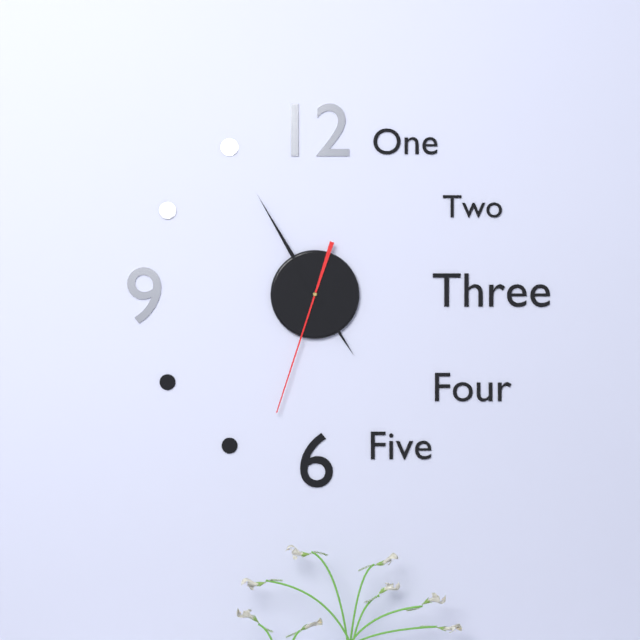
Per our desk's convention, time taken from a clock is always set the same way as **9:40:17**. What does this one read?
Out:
**4:55:33**
